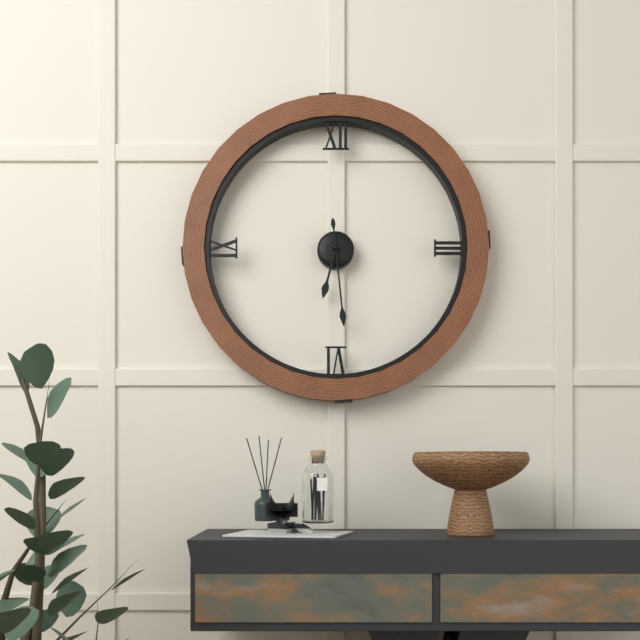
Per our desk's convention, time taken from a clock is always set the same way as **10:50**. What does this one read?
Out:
**6:29**
